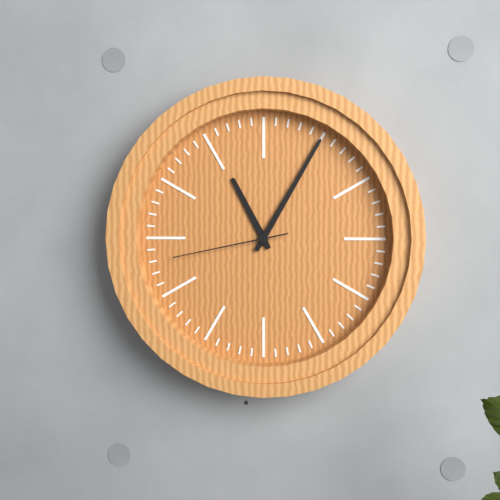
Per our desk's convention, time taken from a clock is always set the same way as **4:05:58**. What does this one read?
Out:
**11:05:43**
